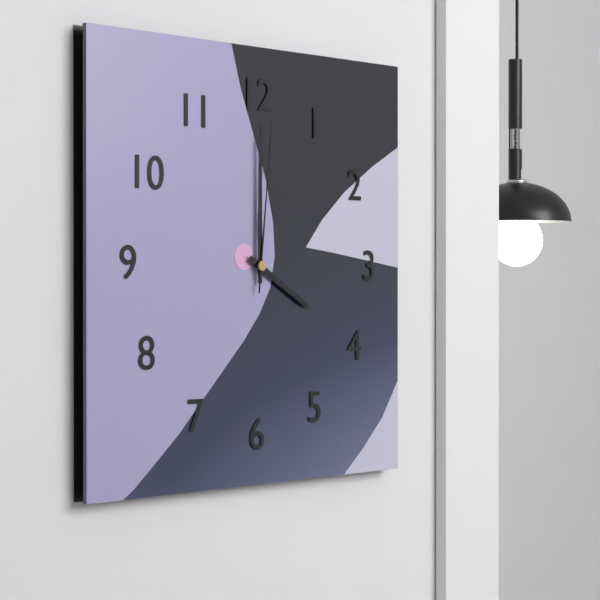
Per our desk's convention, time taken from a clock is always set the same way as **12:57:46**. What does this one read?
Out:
**4:00:01**
